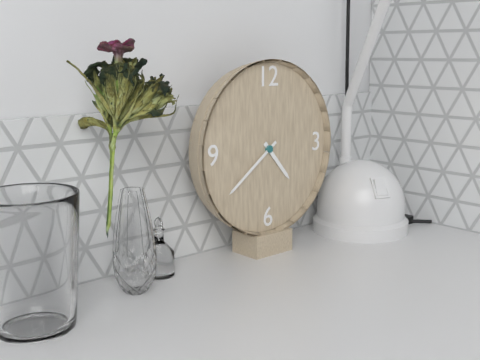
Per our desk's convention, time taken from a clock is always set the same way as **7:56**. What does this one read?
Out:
**4:39**
